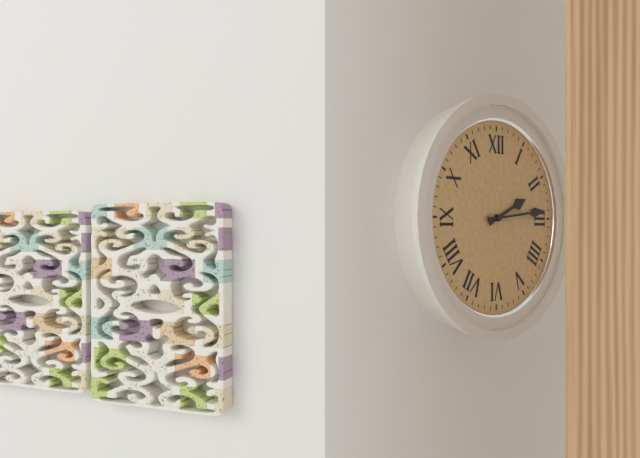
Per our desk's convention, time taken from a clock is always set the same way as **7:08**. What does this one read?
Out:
**2:14**
